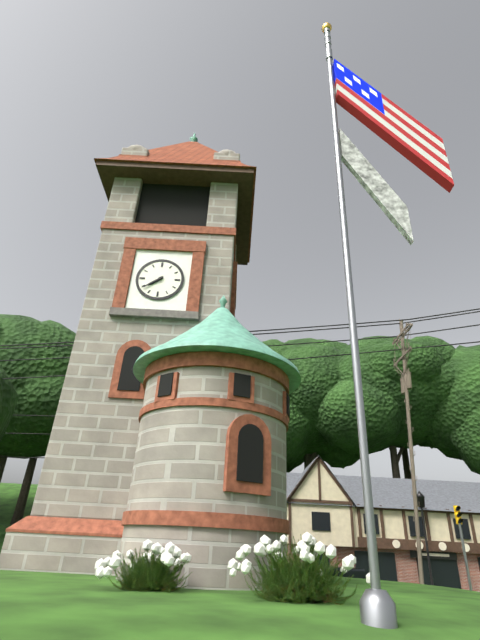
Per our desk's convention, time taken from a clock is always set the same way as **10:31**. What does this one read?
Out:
**7:39**
